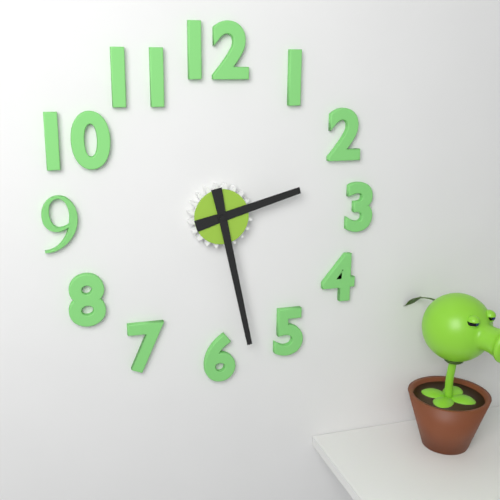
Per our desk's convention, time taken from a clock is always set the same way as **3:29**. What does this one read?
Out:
**2:28**
